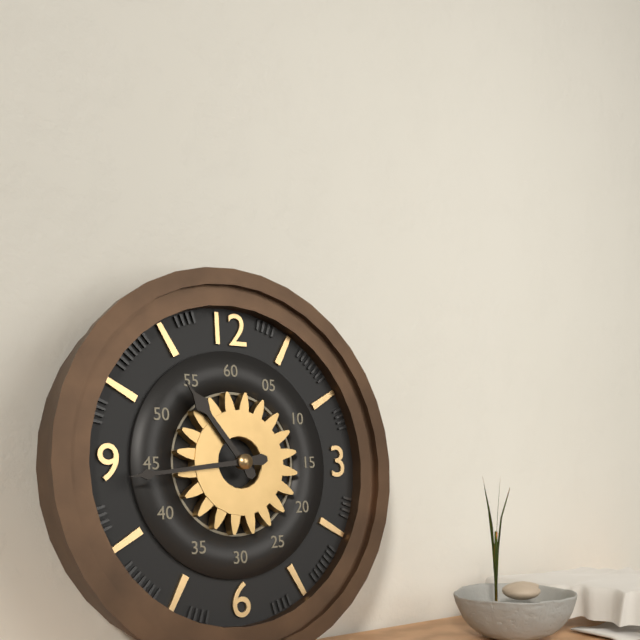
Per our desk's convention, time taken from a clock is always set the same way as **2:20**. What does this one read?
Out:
**10:44**
